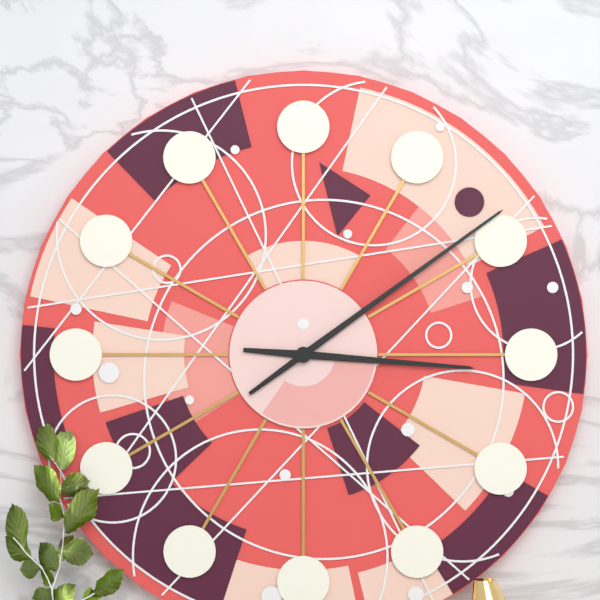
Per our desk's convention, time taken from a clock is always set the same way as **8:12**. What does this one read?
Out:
**3:09**
